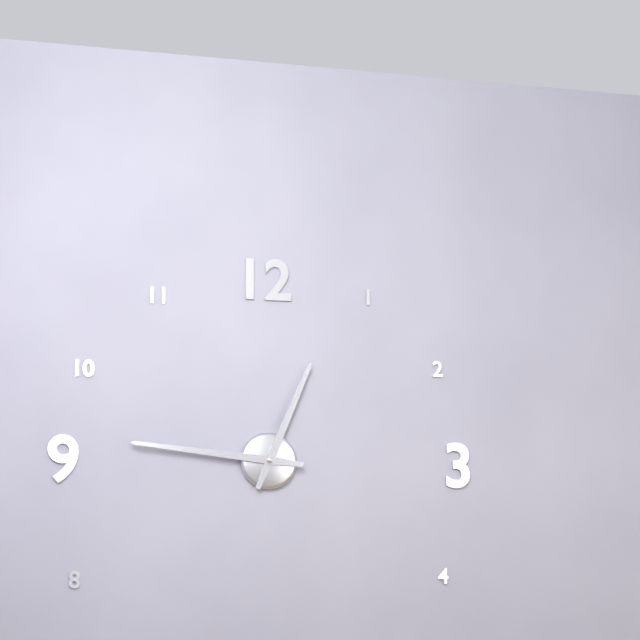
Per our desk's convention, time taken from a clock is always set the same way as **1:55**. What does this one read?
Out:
**12:46**
